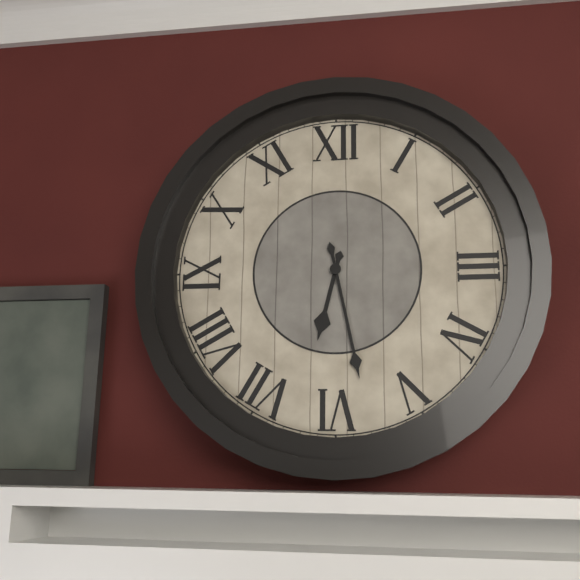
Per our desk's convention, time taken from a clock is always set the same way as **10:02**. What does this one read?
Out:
**6:28**
